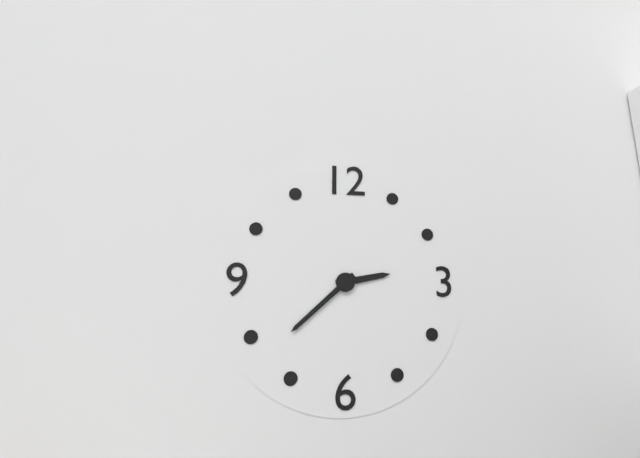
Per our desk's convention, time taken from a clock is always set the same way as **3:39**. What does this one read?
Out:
**2:38**
